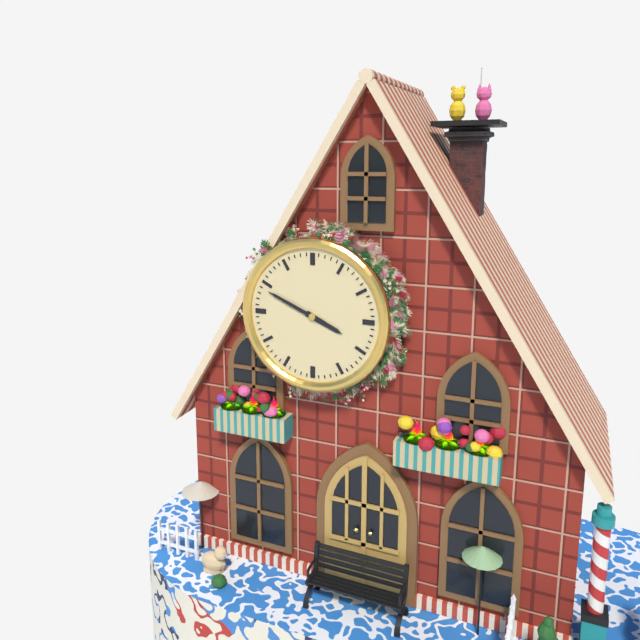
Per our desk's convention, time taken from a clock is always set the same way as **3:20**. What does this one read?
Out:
**3:49**
